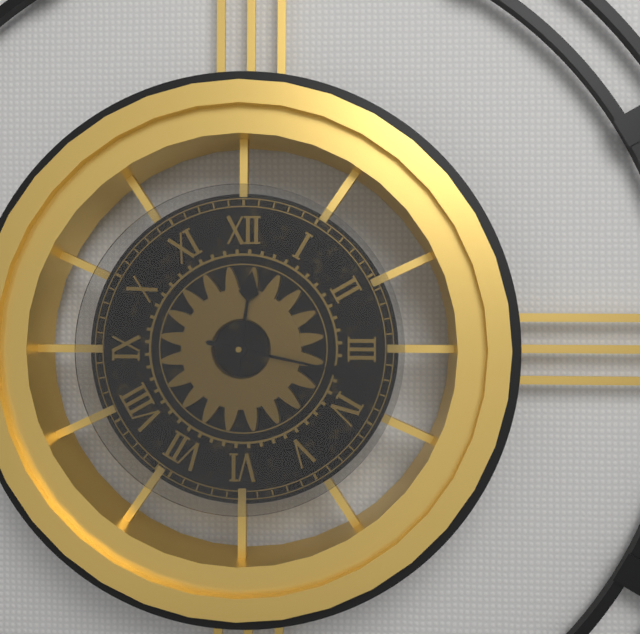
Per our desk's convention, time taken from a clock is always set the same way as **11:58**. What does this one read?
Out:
**12:17**
